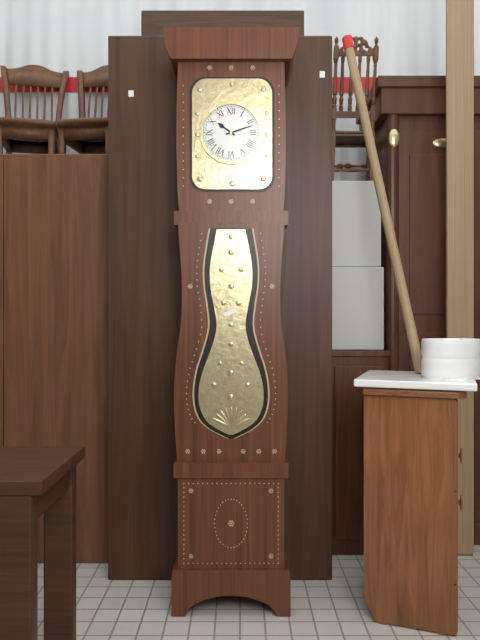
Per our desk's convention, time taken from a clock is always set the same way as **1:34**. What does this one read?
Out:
**10:12**
